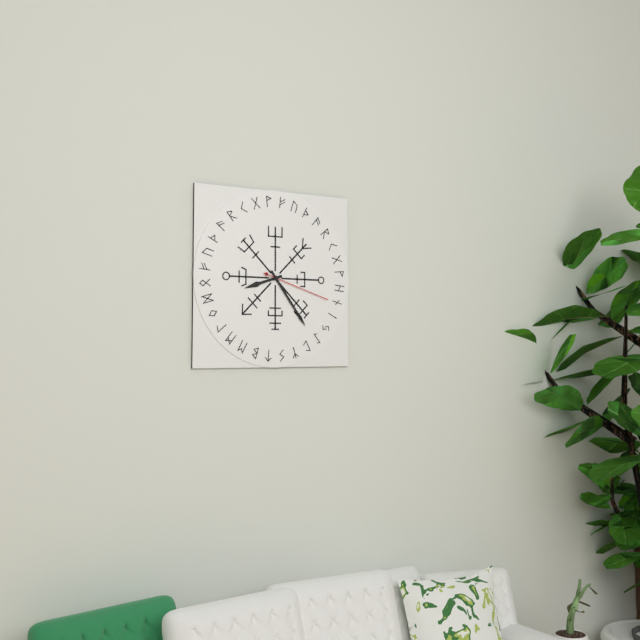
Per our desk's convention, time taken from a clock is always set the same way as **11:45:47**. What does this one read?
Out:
**8:24:18**
